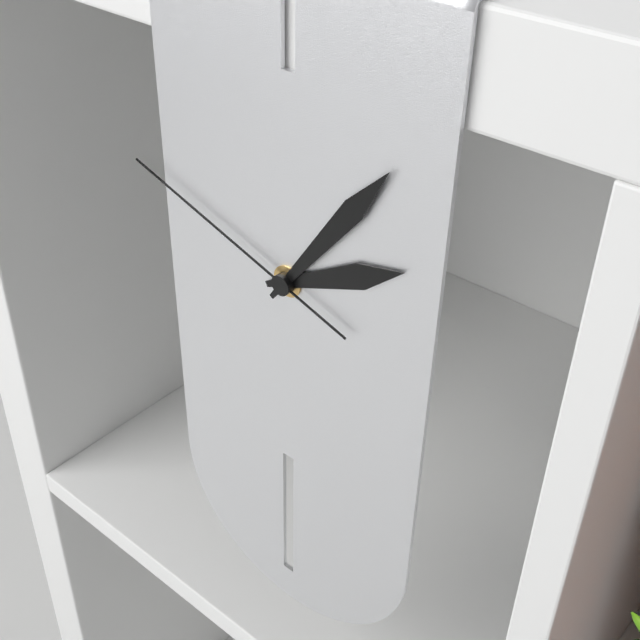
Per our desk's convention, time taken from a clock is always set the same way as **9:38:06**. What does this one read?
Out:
**2:06:48**
